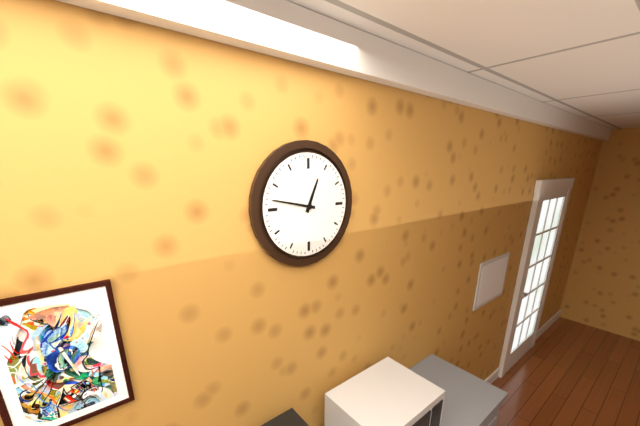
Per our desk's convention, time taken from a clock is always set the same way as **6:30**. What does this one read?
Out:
**12:47**
